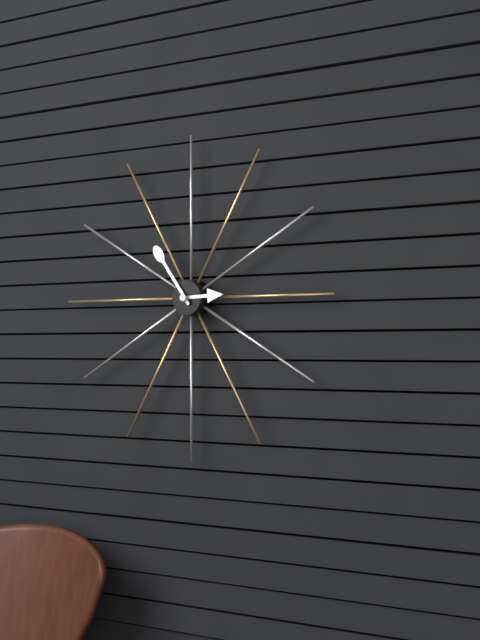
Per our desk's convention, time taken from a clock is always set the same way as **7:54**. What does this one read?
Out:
**2:54**
